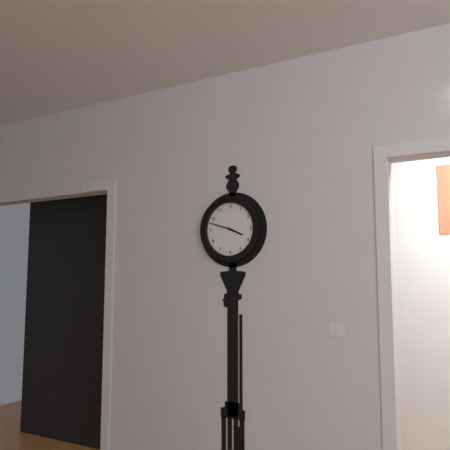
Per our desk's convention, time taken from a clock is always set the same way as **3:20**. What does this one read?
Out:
**3:48**
